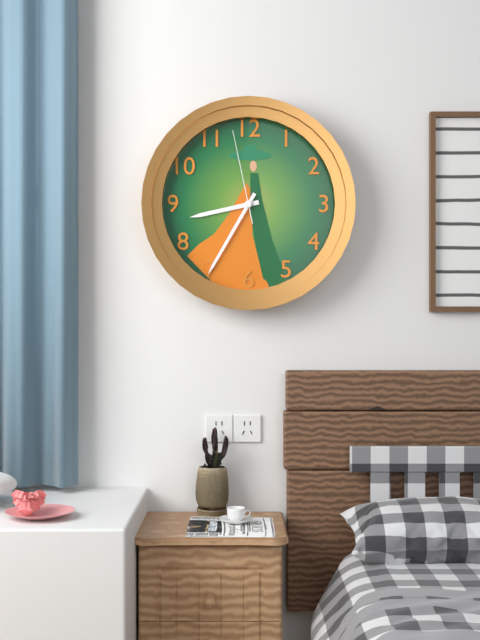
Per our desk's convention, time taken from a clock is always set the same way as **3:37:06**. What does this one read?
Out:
**8:35:58**
